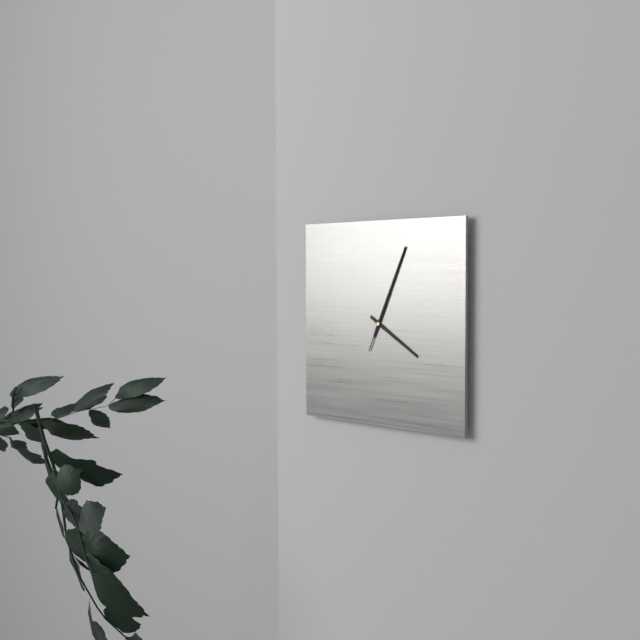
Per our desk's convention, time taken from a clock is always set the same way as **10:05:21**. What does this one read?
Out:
**4:04:04**
